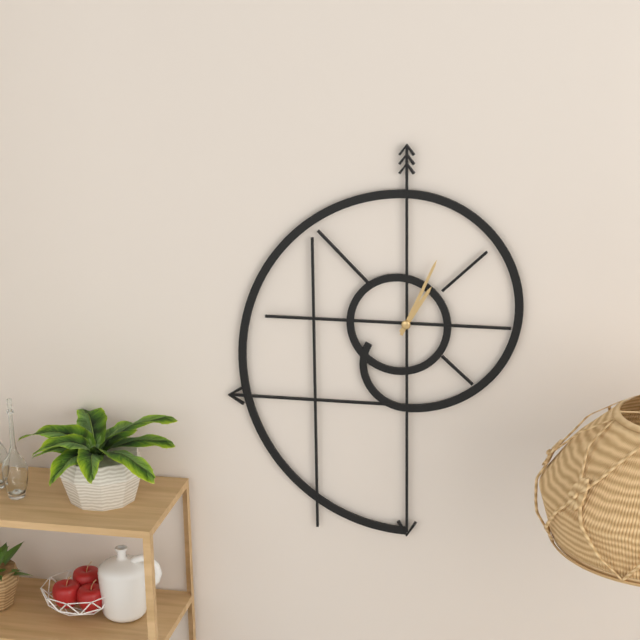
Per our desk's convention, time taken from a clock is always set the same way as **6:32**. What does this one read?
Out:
**1:04**
